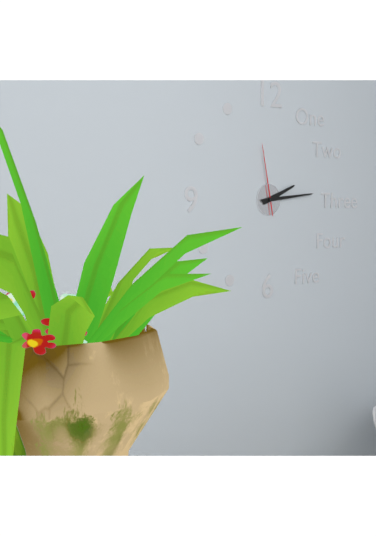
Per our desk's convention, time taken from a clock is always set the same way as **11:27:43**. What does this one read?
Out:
**2:14:58**
